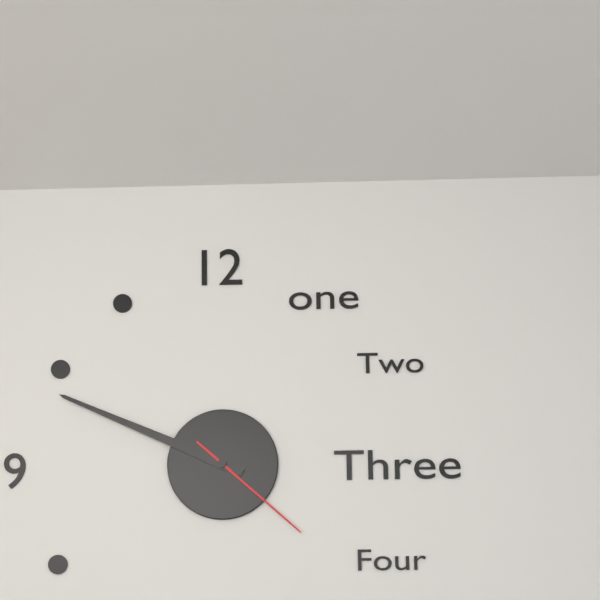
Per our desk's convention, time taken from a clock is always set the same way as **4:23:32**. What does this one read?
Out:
**9:49:22**
